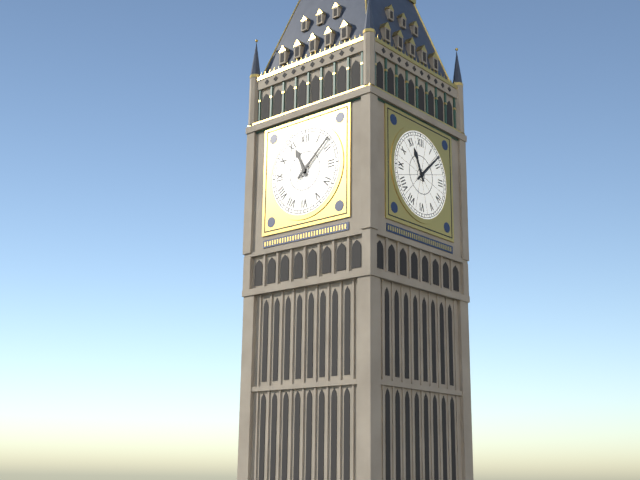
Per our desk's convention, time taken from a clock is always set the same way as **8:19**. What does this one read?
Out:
**11:08**
